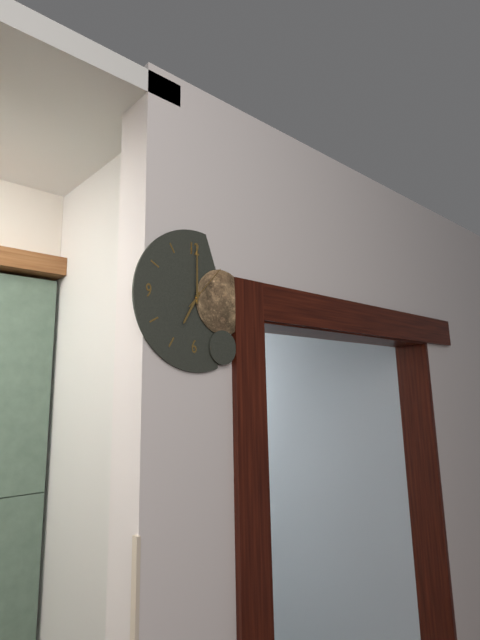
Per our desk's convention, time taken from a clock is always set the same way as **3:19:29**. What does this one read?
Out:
**7:00:07**
